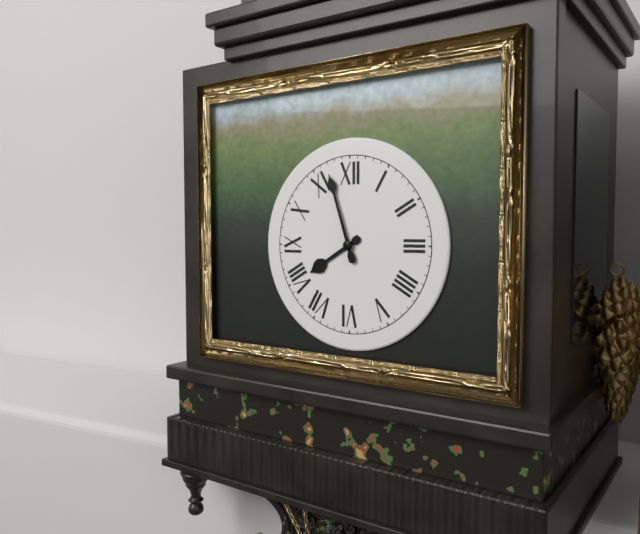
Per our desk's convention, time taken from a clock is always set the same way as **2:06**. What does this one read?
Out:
**7:57**
